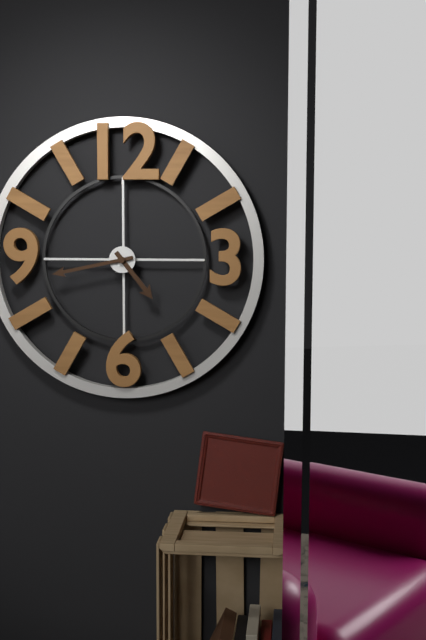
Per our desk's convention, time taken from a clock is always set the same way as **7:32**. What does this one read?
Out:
**4:43**
